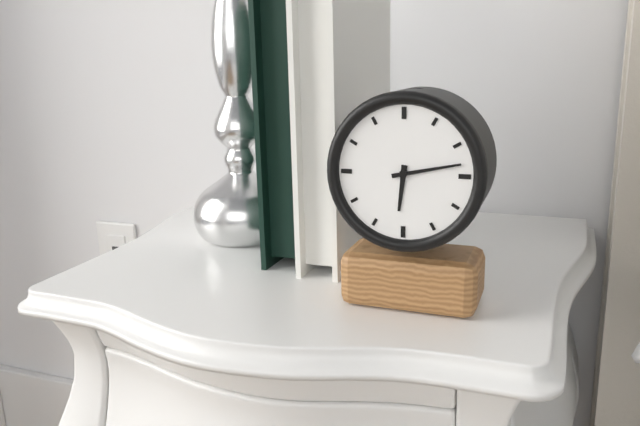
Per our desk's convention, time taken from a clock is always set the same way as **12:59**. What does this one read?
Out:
**6:13**
